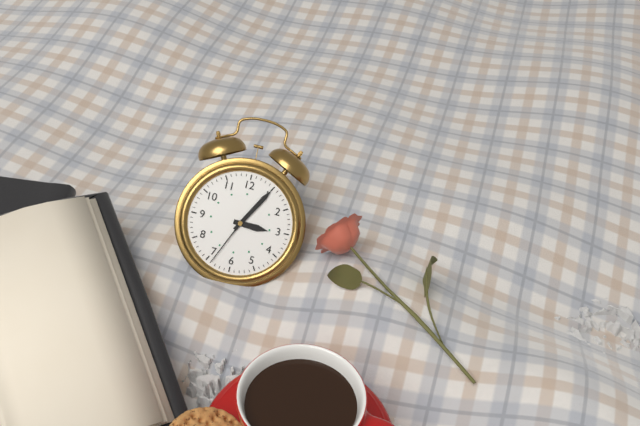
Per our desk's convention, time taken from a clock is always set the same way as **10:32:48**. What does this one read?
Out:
**3:05:34**
